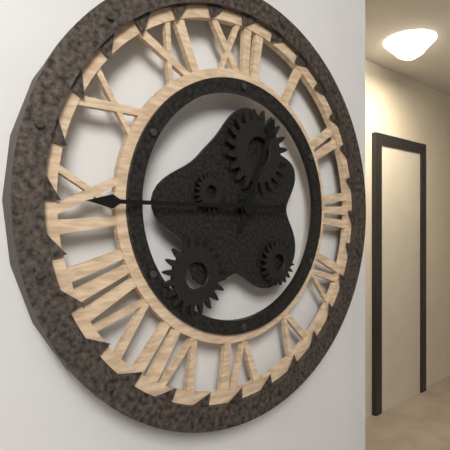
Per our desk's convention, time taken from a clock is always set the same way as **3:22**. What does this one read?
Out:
**12:45**
